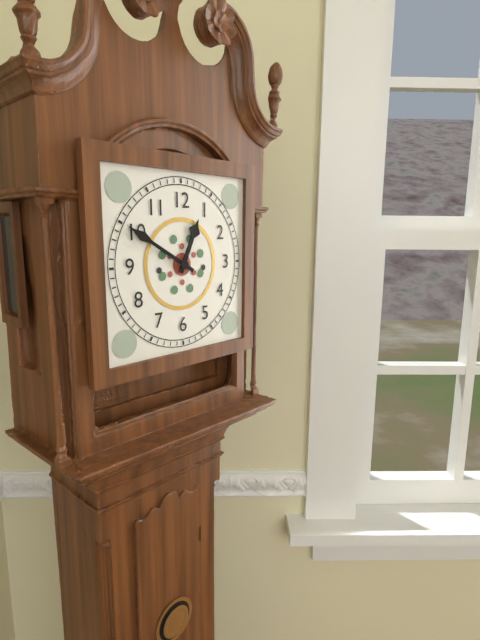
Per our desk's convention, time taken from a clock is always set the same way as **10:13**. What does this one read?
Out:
**12:50**
